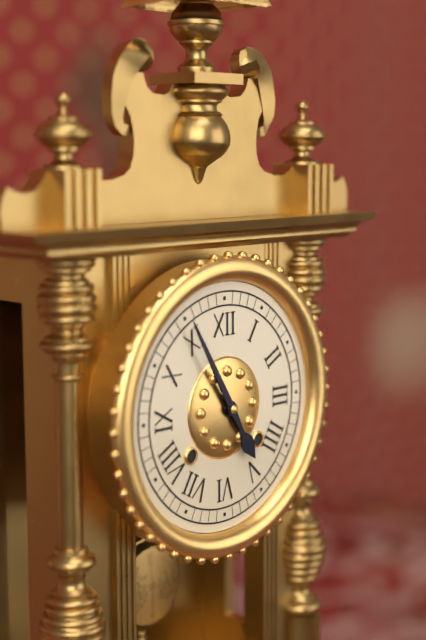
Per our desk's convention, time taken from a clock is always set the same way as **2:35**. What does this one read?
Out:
**4:55**
